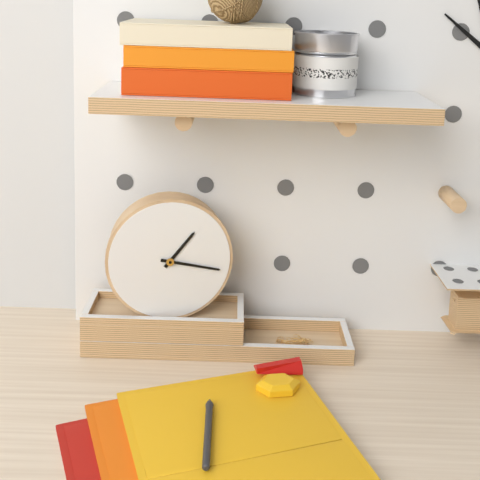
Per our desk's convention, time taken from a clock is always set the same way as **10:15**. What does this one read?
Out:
**1:17**
